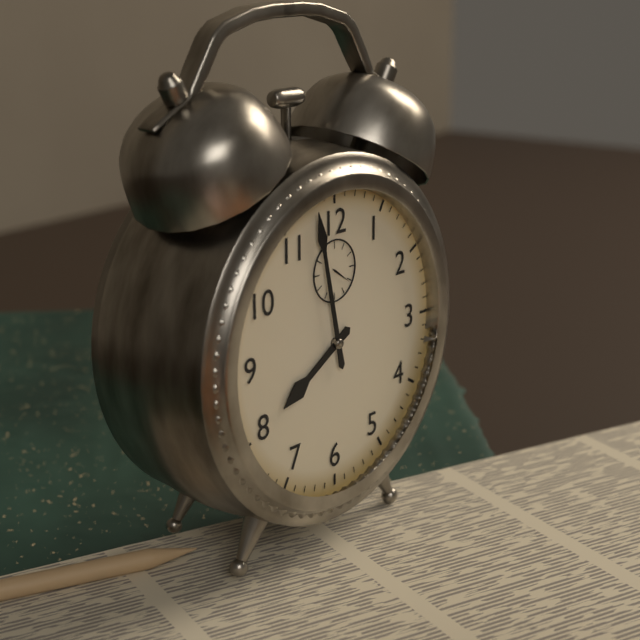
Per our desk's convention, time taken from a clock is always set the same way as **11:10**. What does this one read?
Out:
**7:58**
